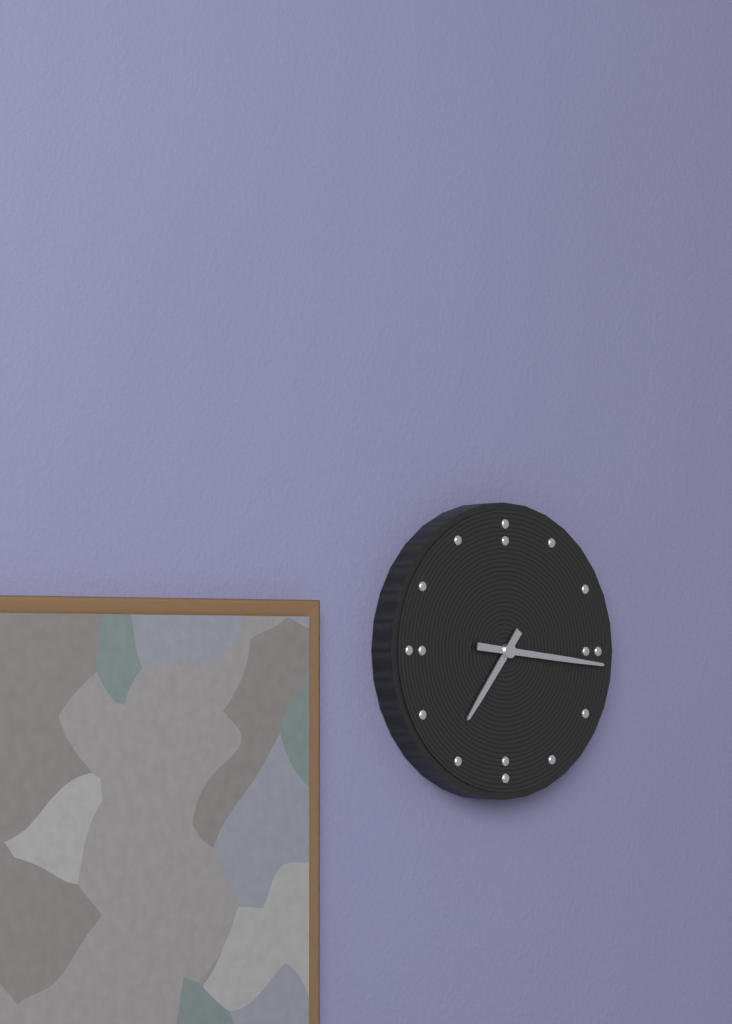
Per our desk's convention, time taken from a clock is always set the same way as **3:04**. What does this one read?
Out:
**7:16**
